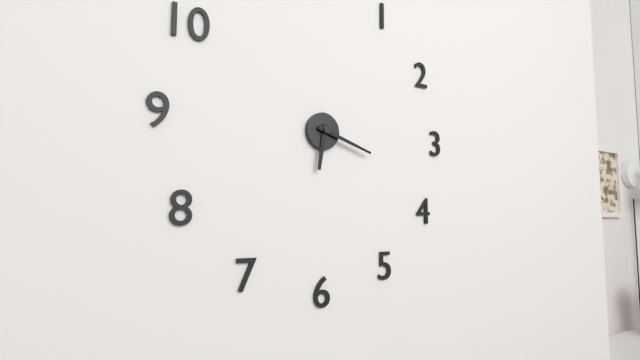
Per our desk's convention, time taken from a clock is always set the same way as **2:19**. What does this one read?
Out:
**6:18**
